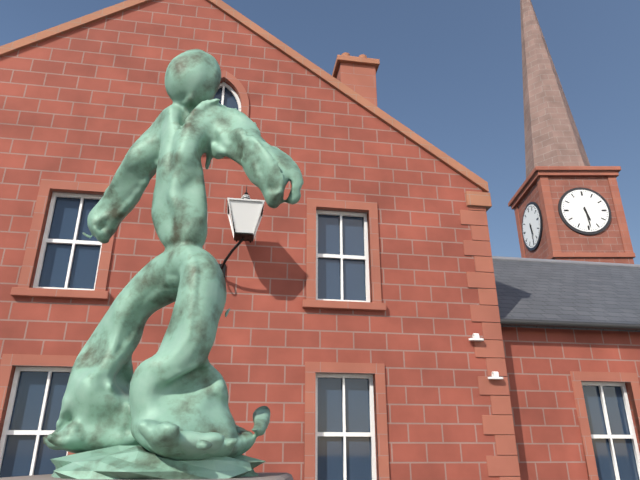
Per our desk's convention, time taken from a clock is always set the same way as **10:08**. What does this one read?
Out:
**5:29**
